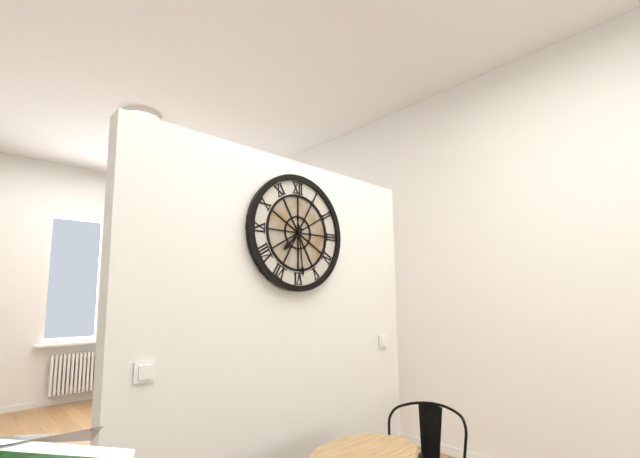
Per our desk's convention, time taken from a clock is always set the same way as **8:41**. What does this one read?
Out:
**7:29**
